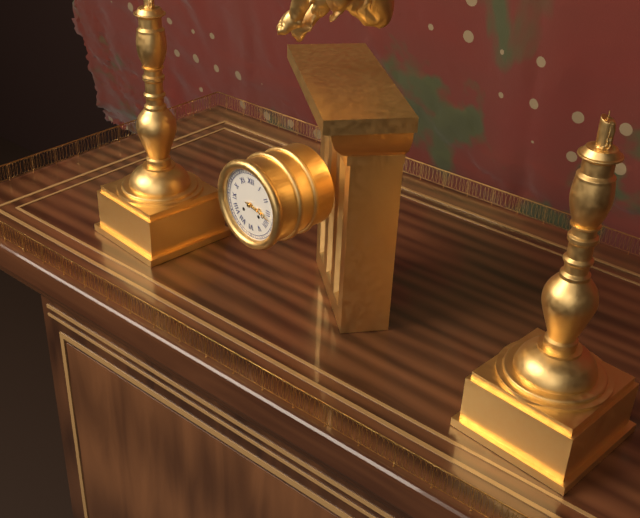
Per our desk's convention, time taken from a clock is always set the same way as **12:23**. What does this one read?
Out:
**3:17**
